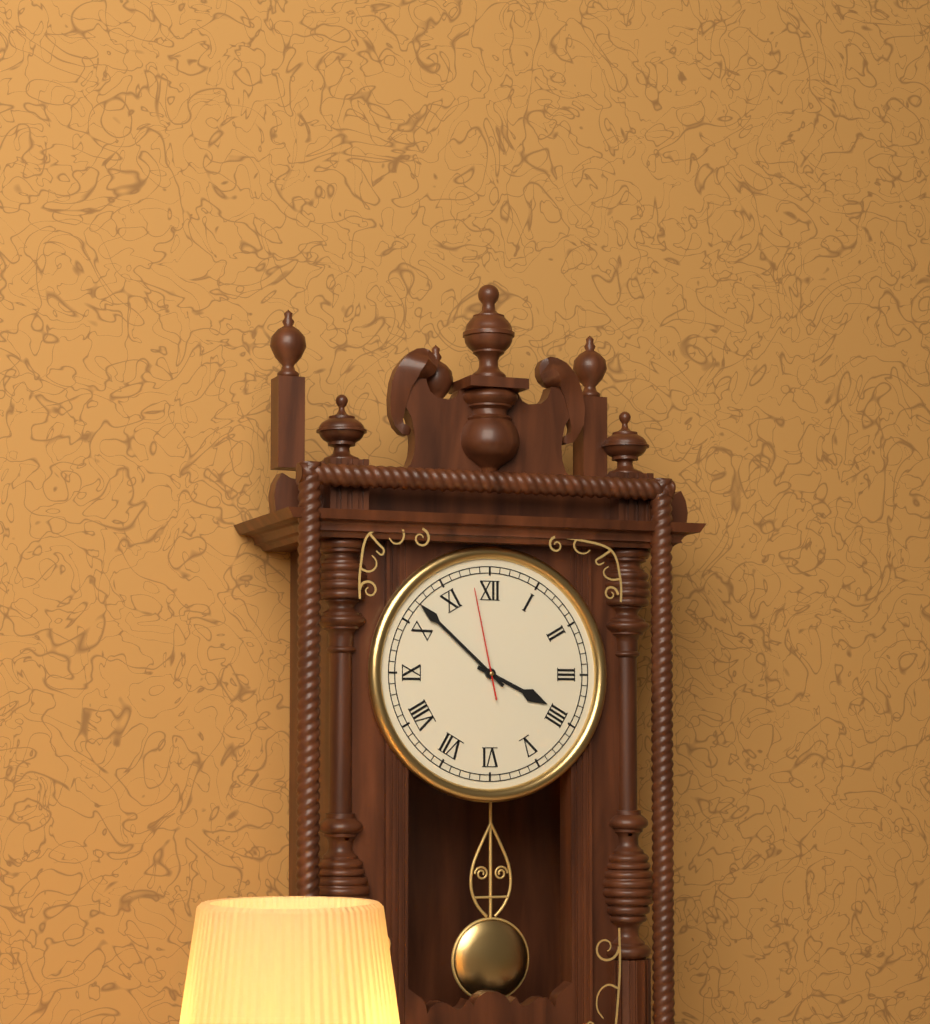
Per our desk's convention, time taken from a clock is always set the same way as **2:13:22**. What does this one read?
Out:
**3:52:58**
